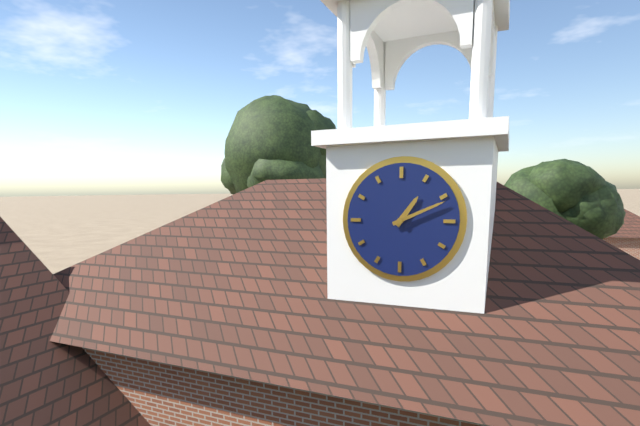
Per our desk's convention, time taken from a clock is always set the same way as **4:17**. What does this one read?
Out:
**1:11**
